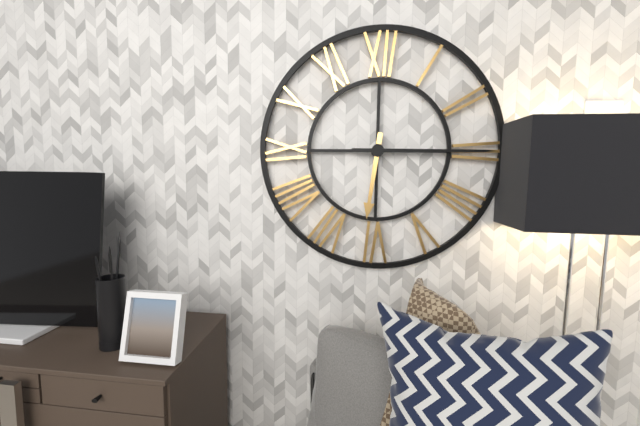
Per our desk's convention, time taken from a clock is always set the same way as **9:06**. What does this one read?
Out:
**6:15**
